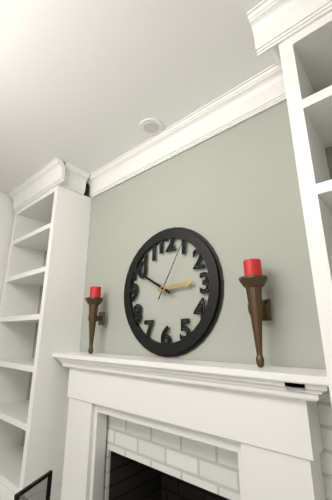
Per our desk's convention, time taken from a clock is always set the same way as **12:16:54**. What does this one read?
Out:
**2:50:05**
